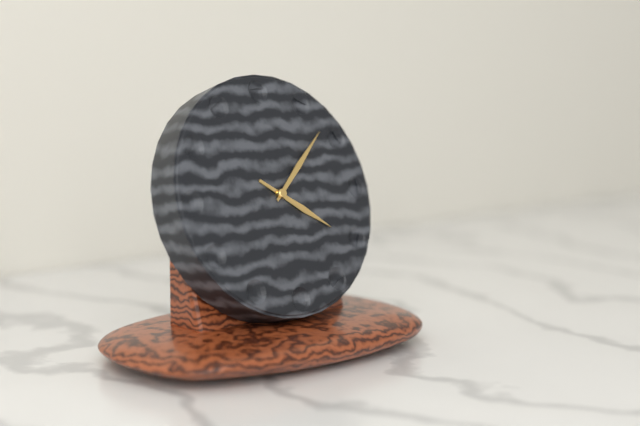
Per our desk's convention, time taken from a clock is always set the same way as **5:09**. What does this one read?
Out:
**4:08**
